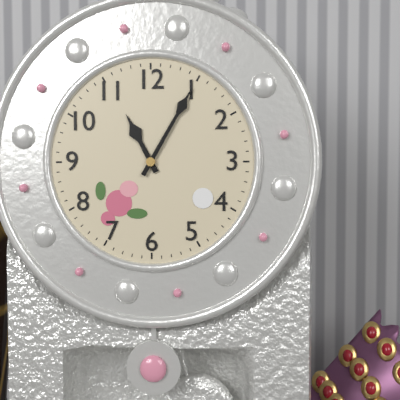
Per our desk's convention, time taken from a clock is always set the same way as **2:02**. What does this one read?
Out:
**11:05**
